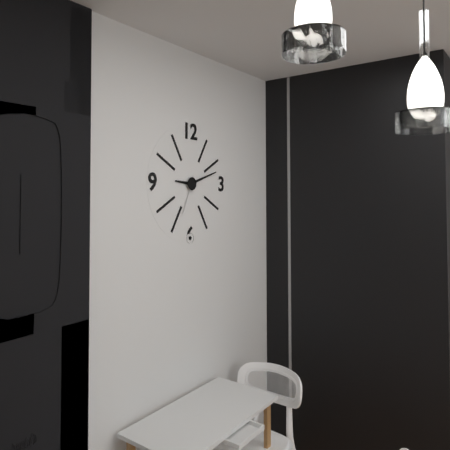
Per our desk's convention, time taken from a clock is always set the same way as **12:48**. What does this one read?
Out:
**9:12**
